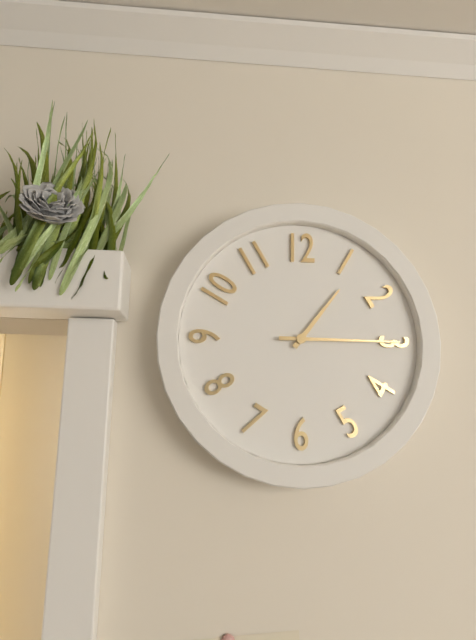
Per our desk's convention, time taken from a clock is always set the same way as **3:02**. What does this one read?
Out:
**1:15**
